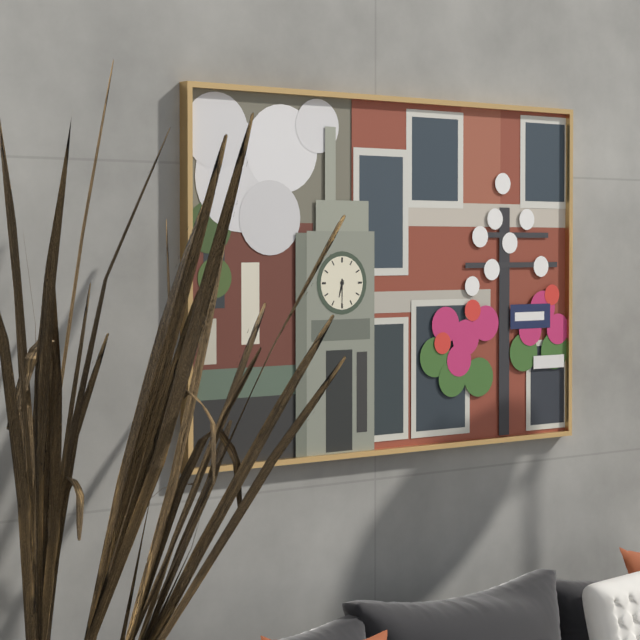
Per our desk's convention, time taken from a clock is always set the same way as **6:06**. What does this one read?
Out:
**6:30**
